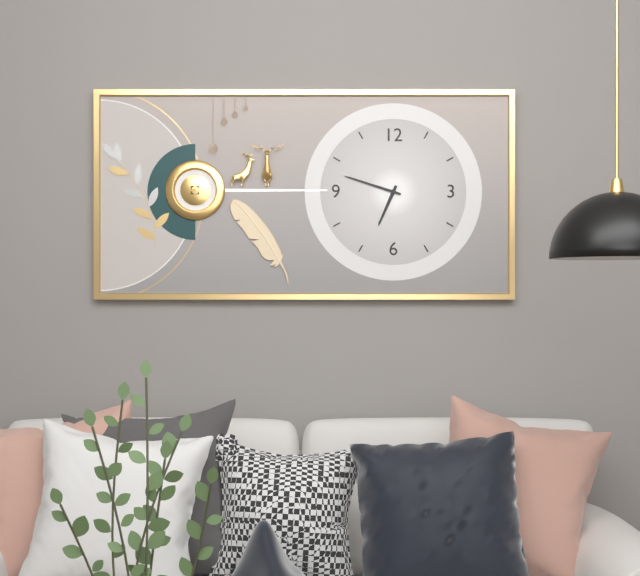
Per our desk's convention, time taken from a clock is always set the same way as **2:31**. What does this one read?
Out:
**6:48**
